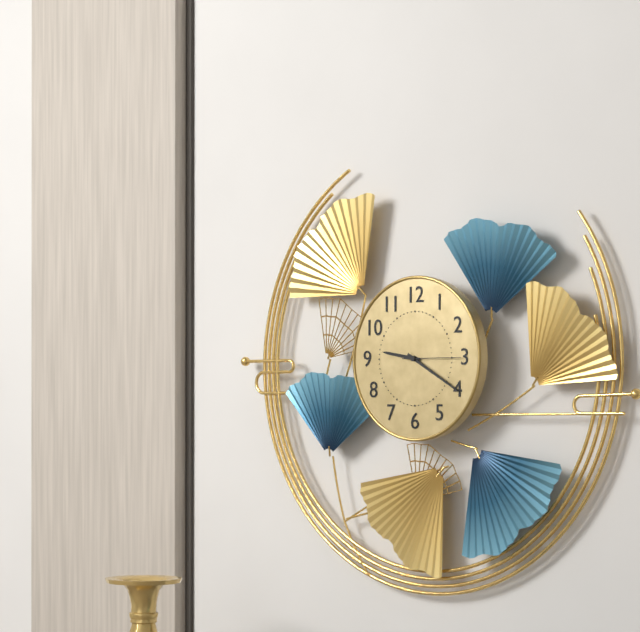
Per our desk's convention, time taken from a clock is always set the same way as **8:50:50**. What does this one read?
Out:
**9:20:15**
